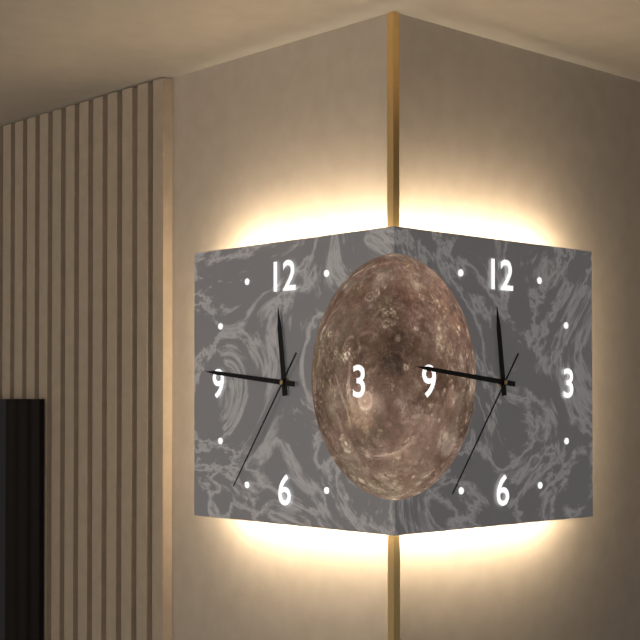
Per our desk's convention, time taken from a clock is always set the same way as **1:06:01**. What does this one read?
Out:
**11:46:36**
